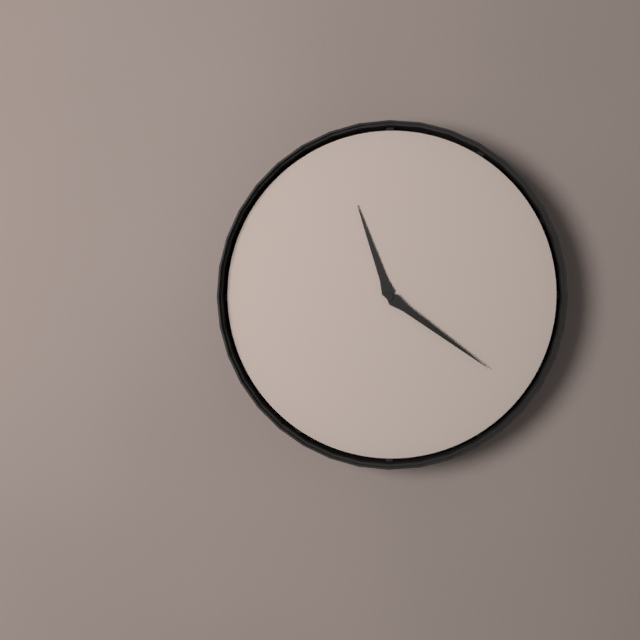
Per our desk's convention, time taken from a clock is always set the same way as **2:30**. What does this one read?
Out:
**11:21**
